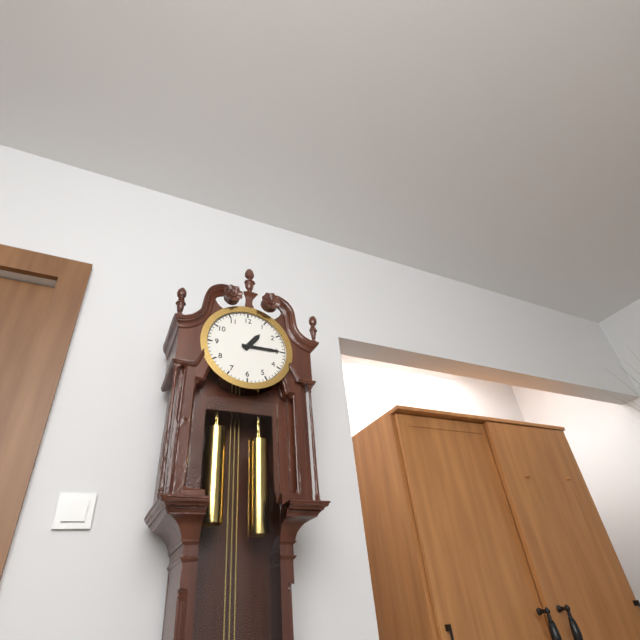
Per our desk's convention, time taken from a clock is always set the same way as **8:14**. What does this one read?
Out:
**1:15**
